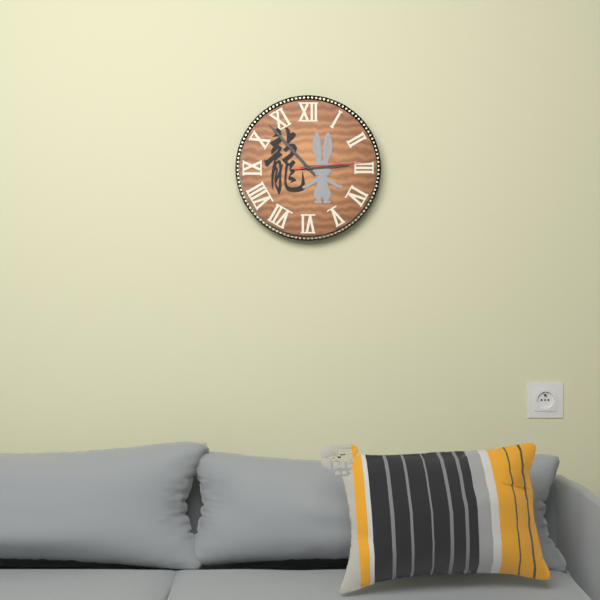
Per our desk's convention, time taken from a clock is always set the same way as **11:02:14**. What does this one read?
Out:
**2:53:14**
